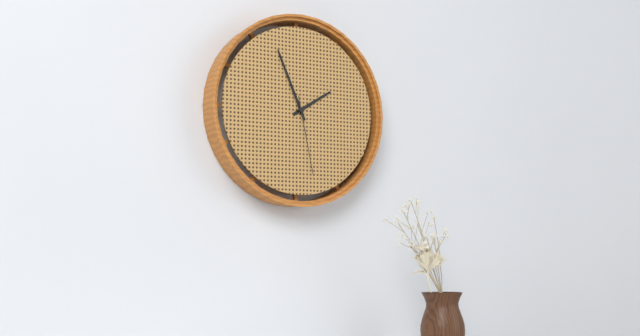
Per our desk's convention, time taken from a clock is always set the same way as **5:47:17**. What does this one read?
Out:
**1:56:28**
